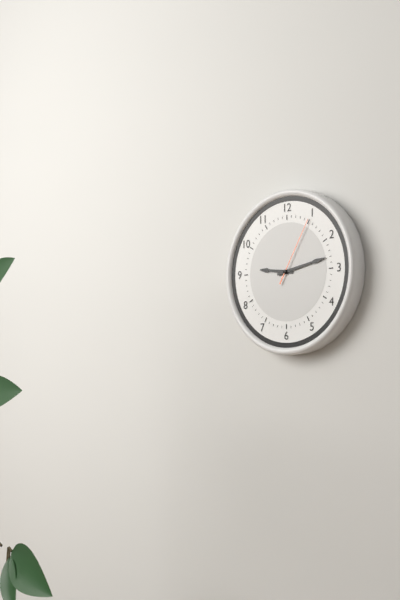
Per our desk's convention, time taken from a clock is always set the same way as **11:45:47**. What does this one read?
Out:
**9:13:05**
